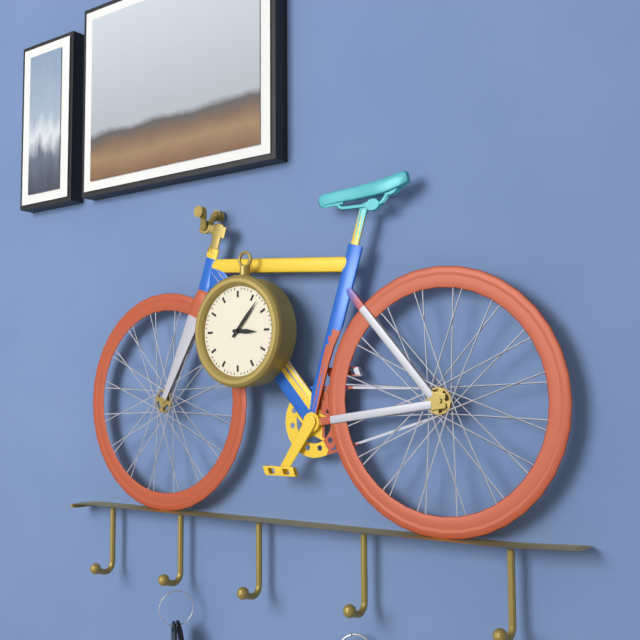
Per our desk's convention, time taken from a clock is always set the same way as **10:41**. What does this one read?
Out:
**3:07**
